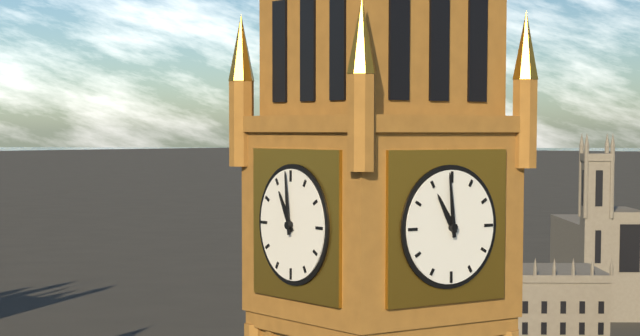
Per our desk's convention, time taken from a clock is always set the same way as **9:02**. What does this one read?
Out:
**10:59**
